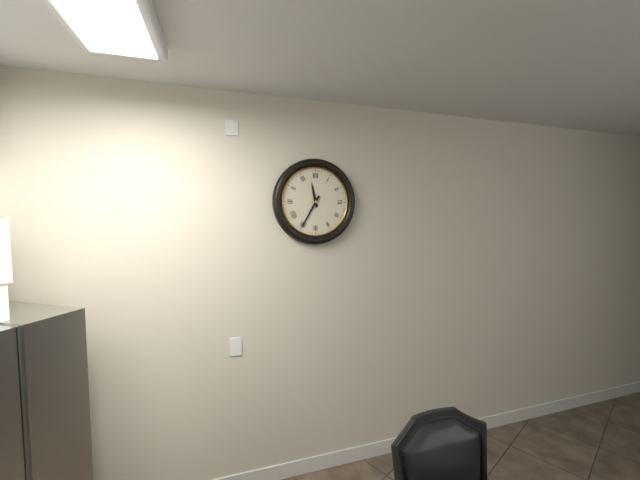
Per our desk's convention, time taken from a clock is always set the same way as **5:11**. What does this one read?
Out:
**11:35**
